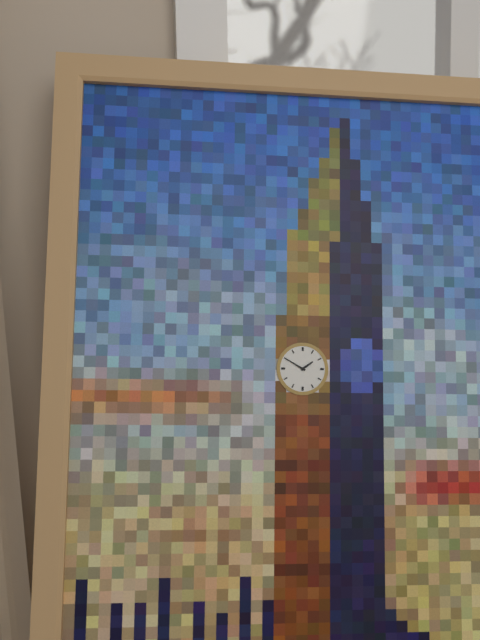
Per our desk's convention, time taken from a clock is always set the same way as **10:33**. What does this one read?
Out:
**1:50**
